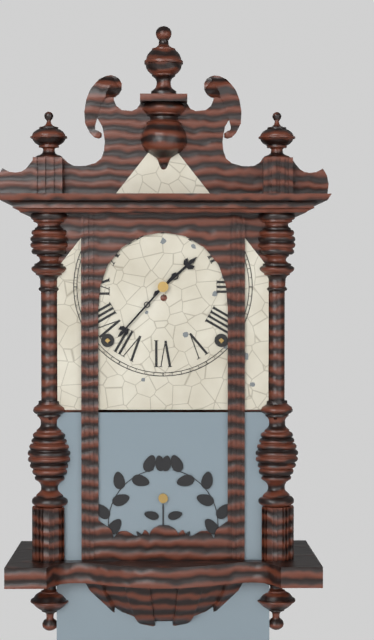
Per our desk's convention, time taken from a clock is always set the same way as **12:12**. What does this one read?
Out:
**1:37**
